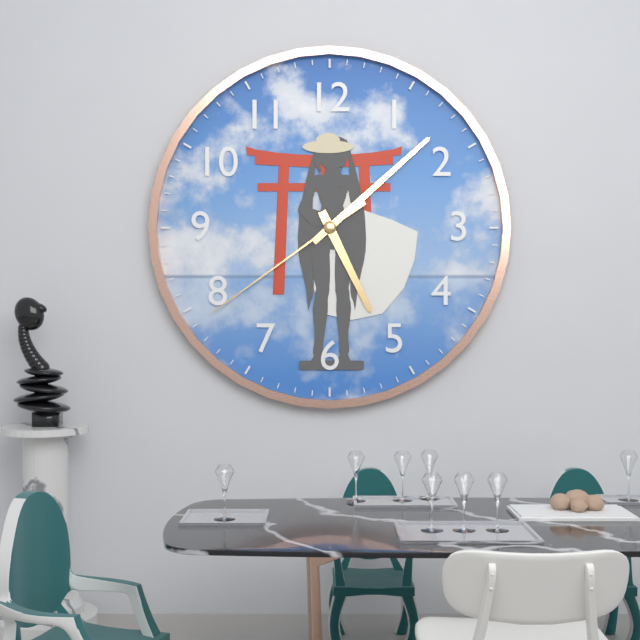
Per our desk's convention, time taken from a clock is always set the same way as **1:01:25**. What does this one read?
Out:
**5:08:39**
